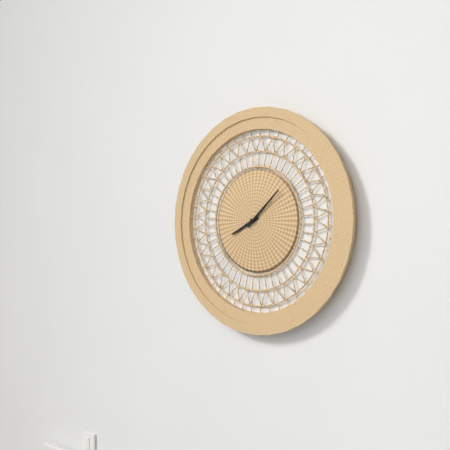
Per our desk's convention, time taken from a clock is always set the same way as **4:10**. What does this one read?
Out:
**8:08**
